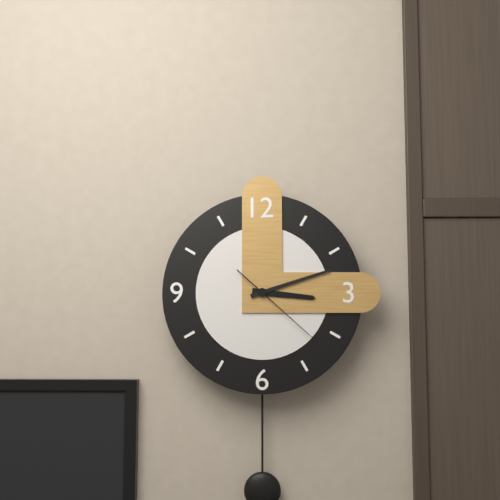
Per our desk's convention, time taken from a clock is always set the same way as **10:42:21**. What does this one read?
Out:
**3:12:22**
